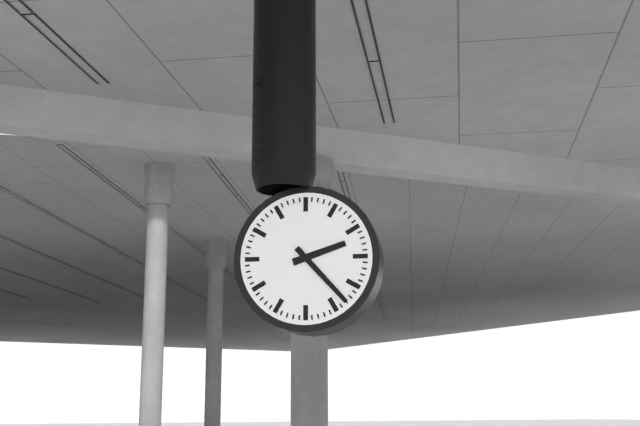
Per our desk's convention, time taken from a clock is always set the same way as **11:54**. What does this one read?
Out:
**2:23**
